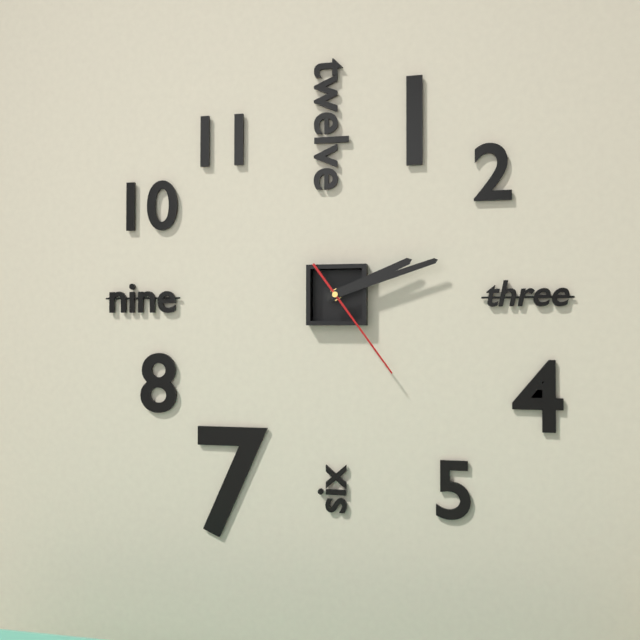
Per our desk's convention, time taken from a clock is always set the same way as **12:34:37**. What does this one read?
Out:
**2:12:24**
